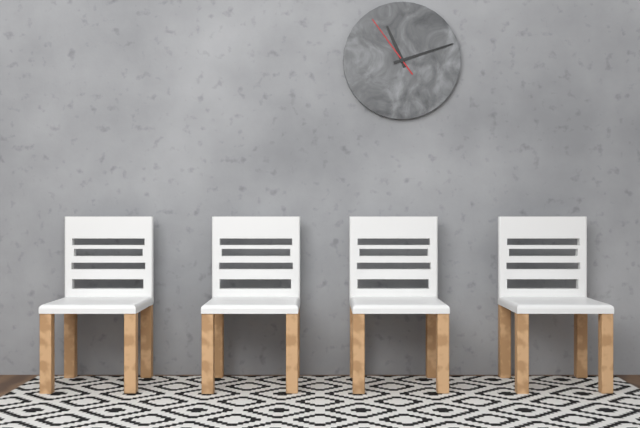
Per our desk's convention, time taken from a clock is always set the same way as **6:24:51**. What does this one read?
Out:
**11:12:54**
